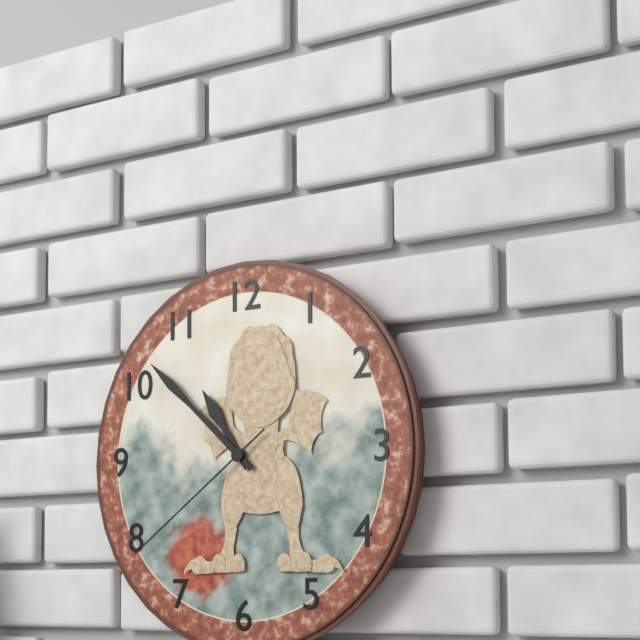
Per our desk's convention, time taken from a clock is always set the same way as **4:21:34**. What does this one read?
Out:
**10:52:39**
